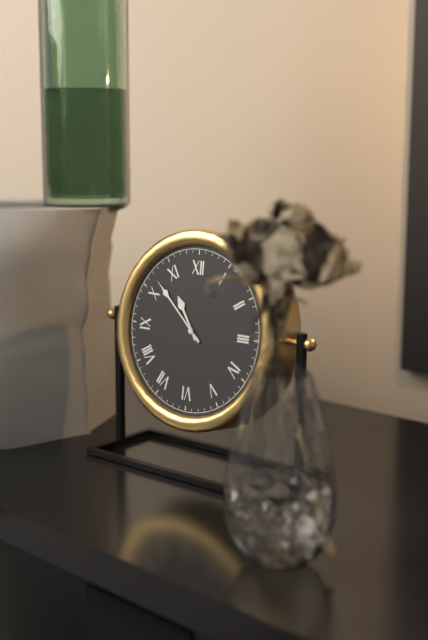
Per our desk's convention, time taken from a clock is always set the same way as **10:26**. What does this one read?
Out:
**10:52**
